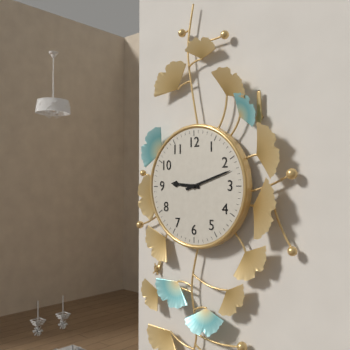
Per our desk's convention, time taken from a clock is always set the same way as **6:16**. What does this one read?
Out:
**9:12**
